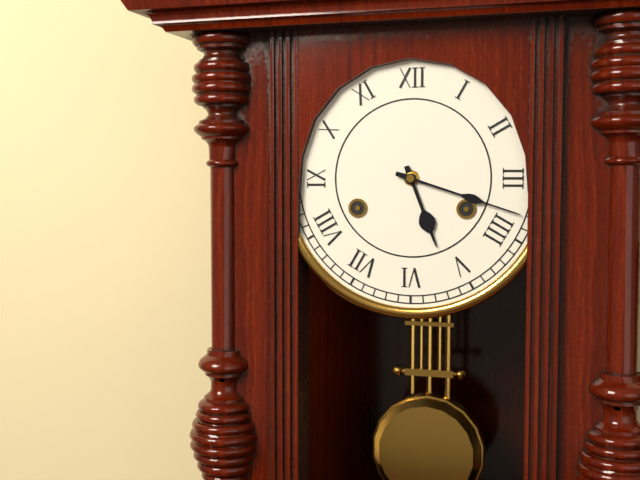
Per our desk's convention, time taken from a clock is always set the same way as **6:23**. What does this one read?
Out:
**5:18**
